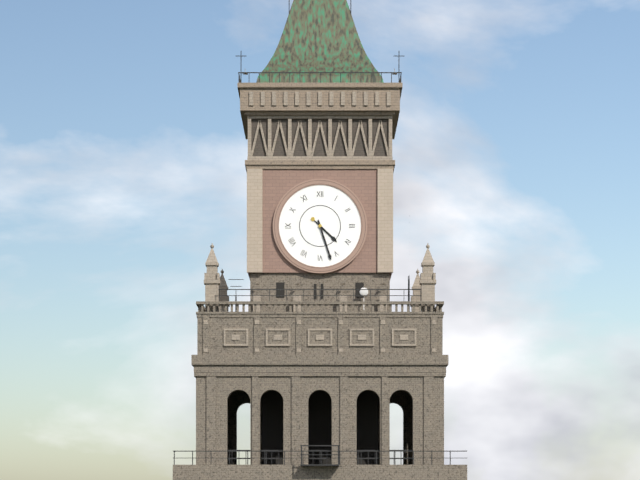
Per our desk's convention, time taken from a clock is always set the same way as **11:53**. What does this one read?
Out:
**4:27**
